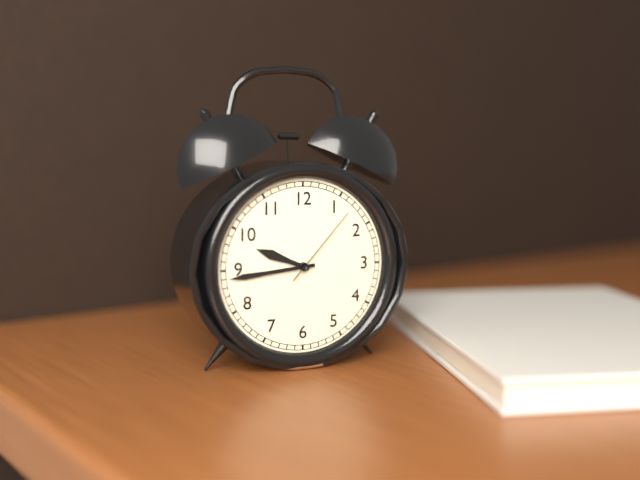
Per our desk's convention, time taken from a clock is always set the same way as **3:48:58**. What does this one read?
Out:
**9:44:07**
